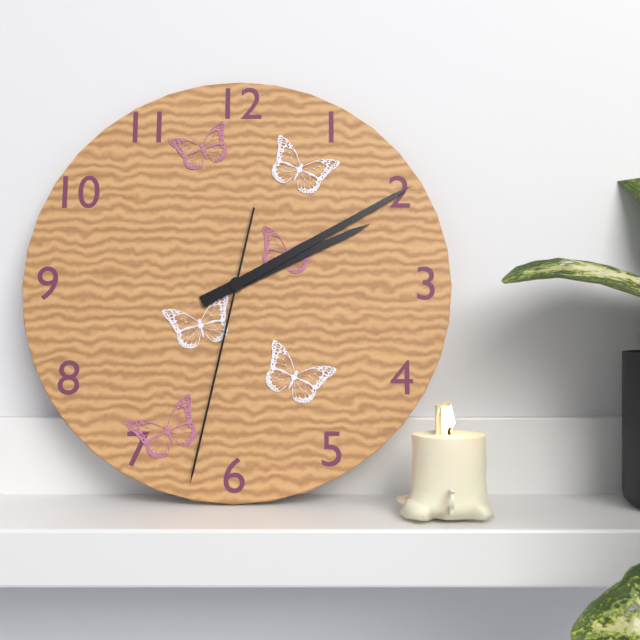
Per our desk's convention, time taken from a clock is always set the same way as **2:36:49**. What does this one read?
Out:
**2:10:32**
